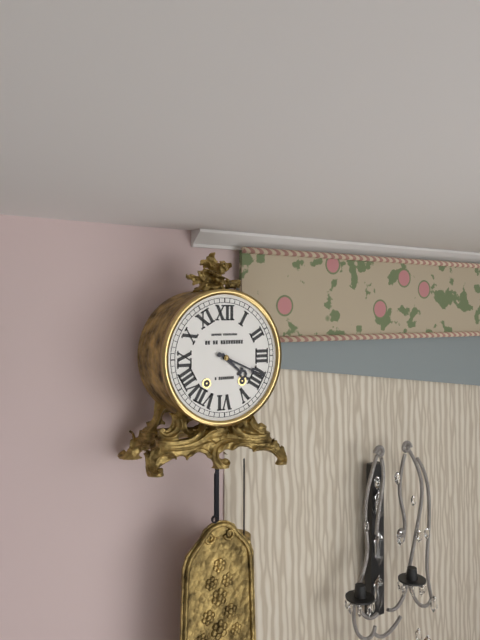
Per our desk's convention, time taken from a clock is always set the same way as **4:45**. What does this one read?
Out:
**4:19**
